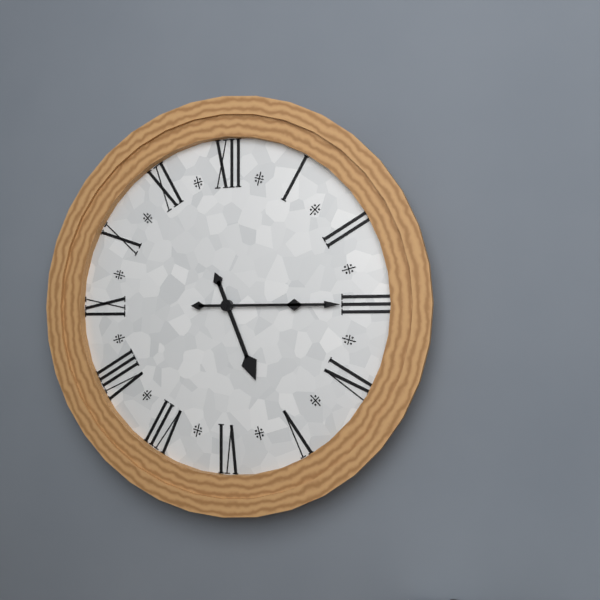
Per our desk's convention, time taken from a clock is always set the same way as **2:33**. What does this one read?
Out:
**5:15**
